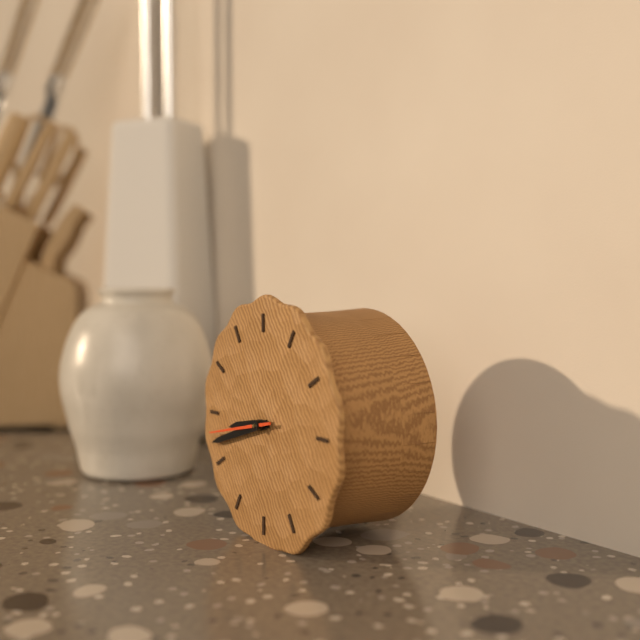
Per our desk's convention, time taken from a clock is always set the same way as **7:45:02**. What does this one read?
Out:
**8:42:43**
